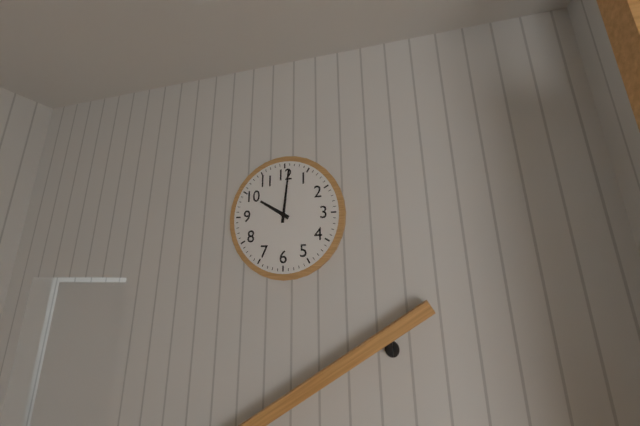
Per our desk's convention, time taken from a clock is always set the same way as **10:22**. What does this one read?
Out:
**10:01**
